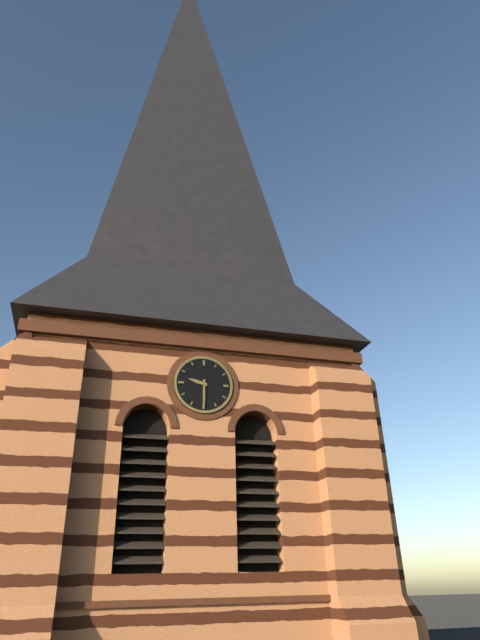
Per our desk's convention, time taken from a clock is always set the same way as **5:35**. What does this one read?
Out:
**9:30**
